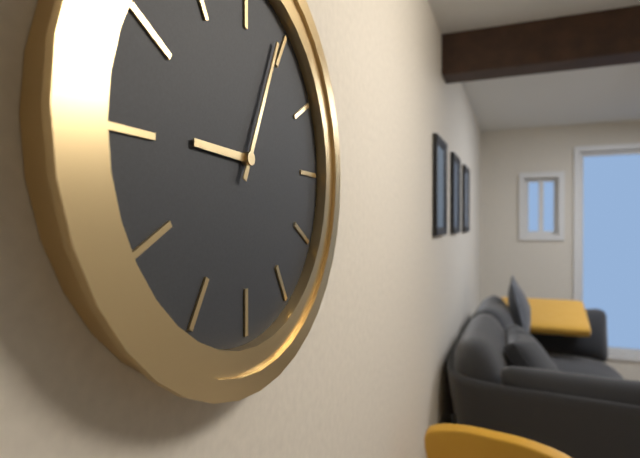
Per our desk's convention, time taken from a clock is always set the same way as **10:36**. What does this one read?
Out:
**9:04**
